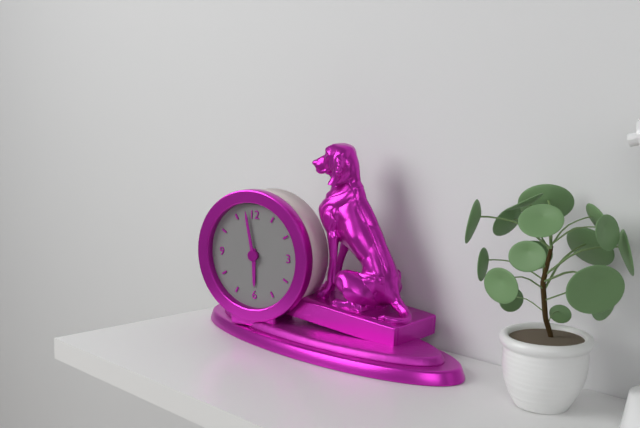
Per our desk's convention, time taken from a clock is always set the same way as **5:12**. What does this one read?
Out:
**5:58**
